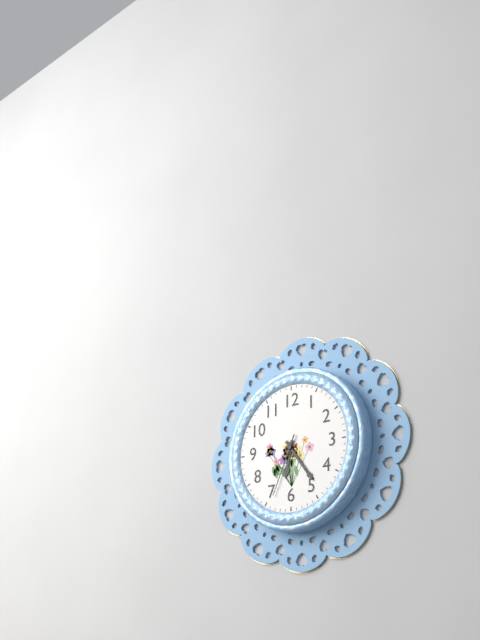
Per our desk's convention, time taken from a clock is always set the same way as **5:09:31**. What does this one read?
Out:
**6:24:34**
